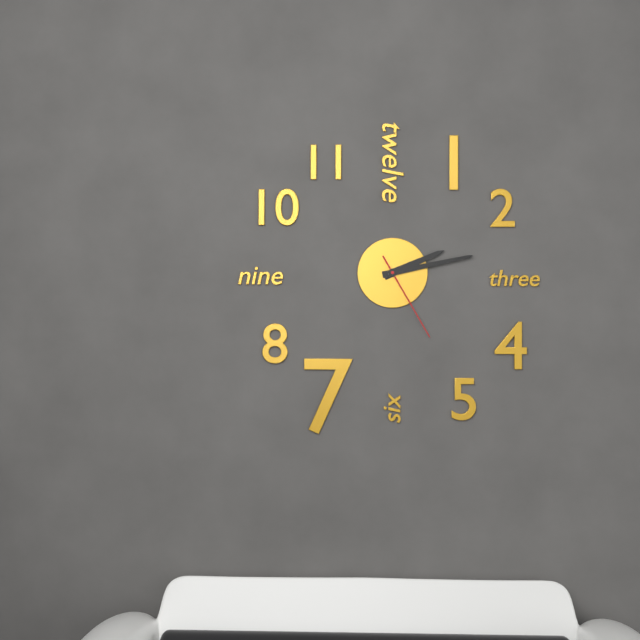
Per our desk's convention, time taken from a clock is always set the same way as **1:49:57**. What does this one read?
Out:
**2:13:25**
